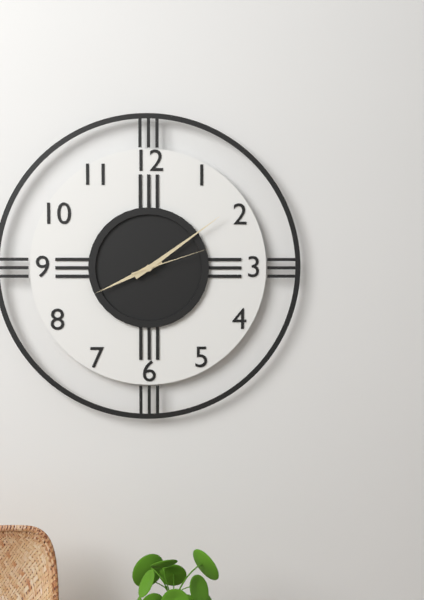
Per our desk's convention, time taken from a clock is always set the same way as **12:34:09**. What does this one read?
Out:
**8:09:12**
